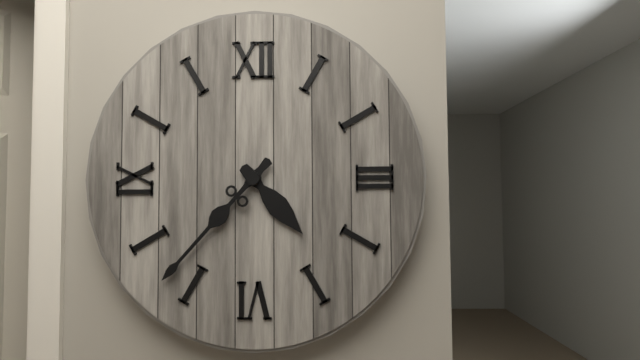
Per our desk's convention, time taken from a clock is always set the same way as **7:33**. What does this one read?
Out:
**4:37**
